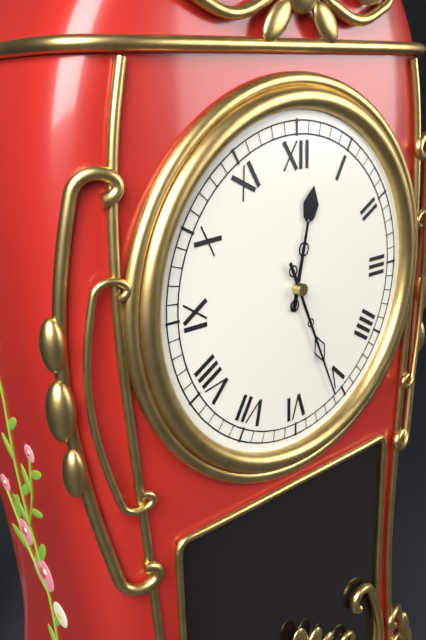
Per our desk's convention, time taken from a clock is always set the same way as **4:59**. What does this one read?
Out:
**12:26**
